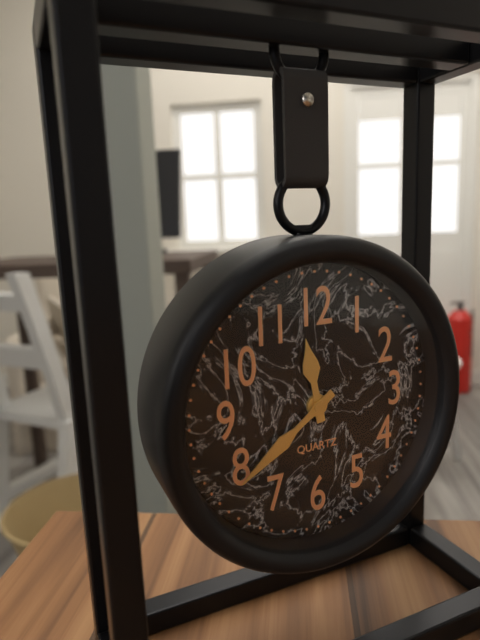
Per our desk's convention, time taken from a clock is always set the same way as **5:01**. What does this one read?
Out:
**11:39**
